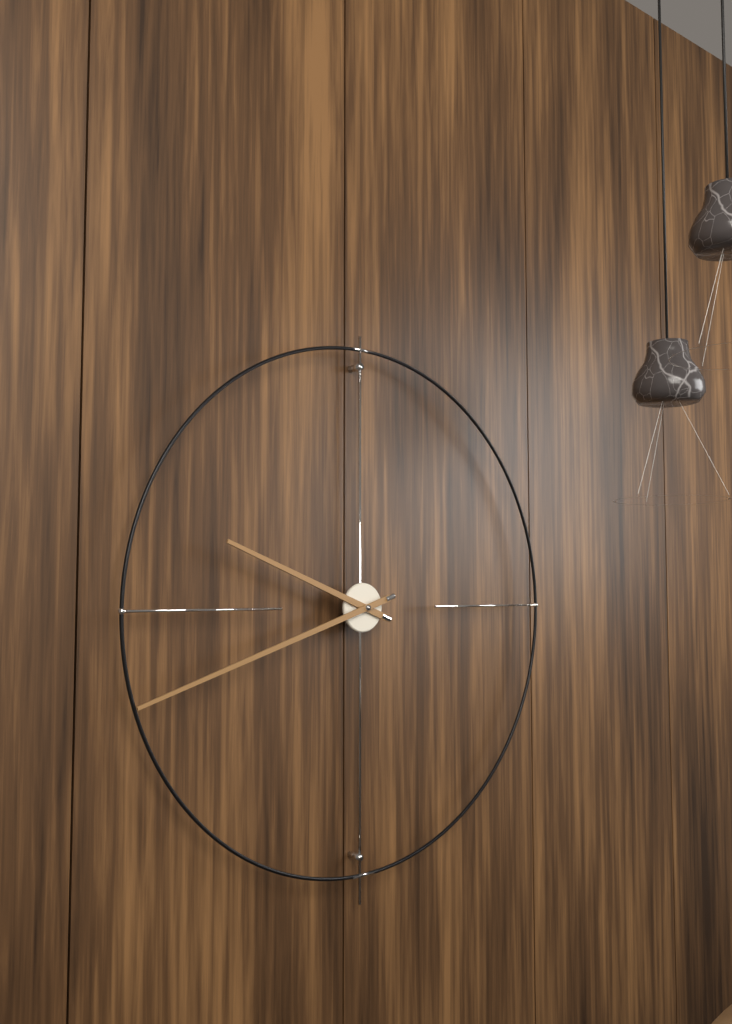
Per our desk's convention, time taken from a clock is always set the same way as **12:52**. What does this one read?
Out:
**9:42**
